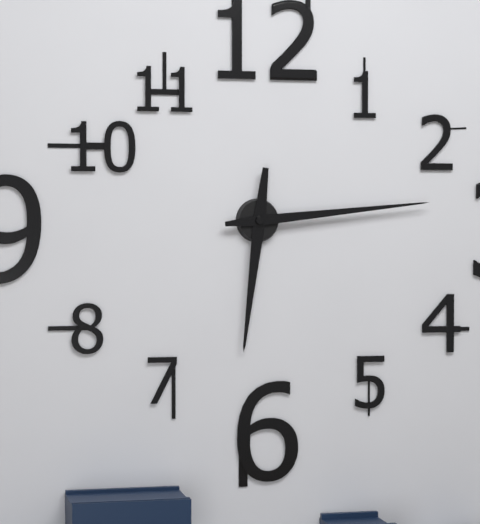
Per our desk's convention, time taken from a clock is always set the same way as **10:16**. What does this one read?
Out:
**6:14**
